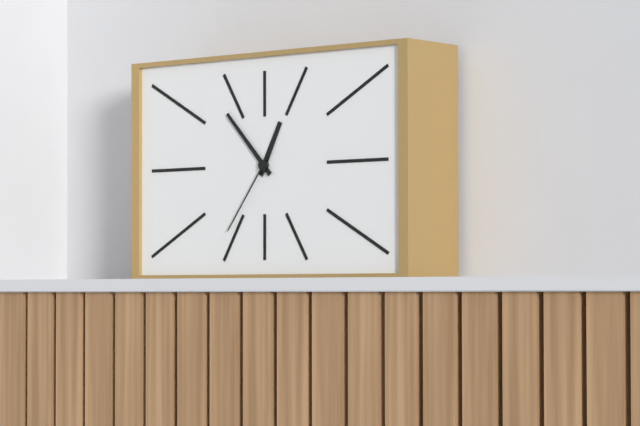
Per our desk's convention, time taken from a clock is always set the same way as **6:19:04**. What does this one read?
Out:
**12:53:36**
